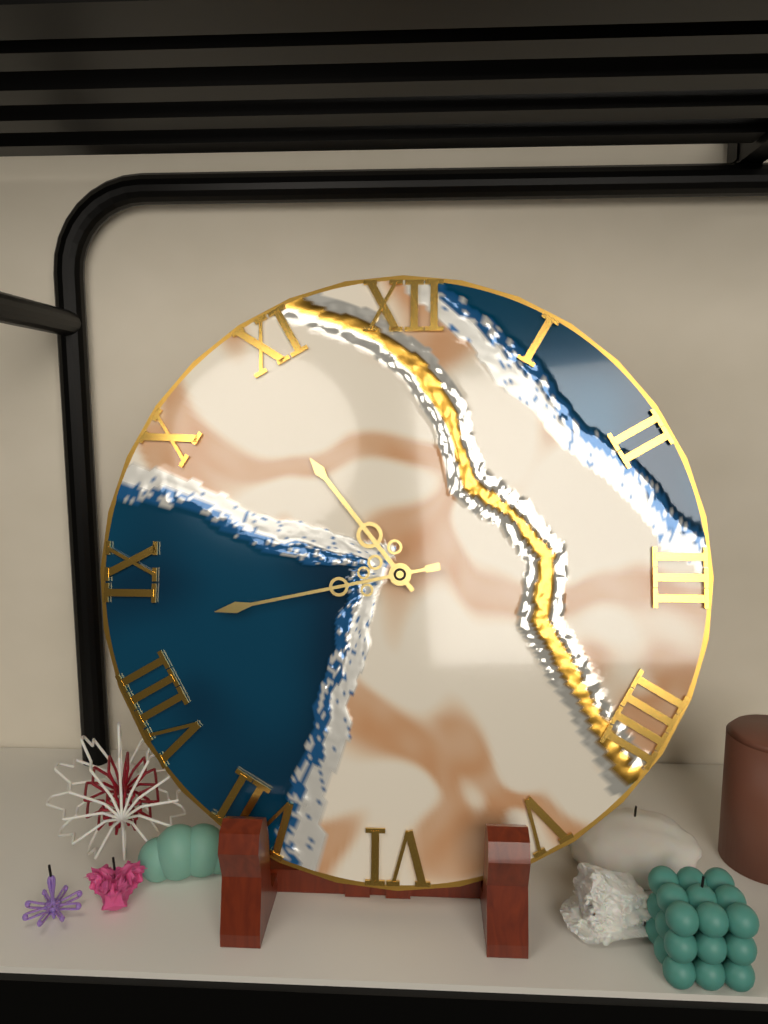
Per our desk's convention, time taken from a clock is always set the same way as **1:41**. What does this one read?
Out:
**10:43**
